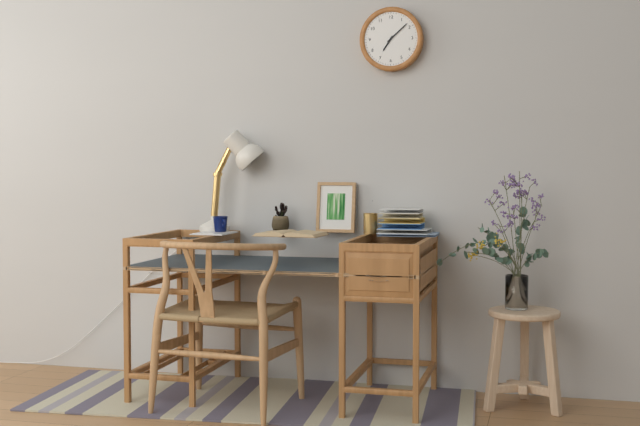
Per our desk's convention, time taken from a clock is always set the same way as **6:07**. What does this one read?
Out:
**7:08**
